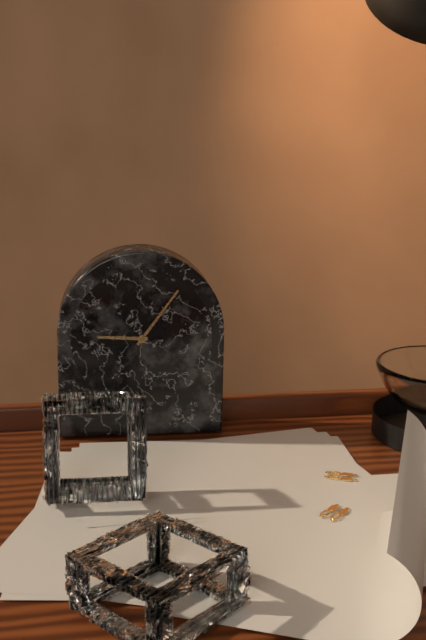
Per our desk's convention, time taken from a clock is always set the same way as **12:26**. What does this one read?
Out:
**9:06**
